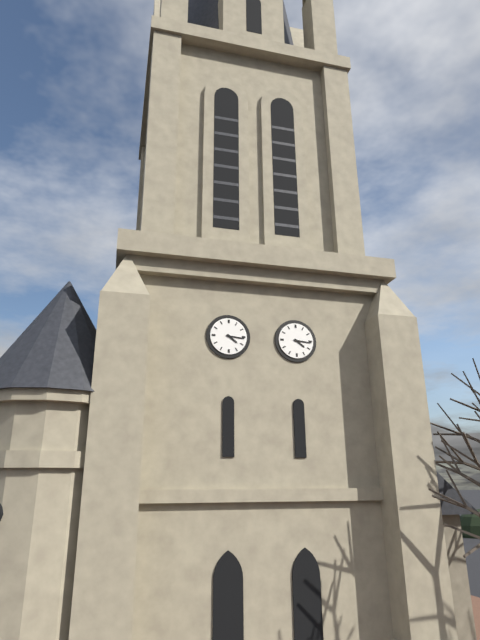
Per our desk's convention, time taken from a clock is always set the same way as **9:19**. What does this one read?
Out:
**4:16**
